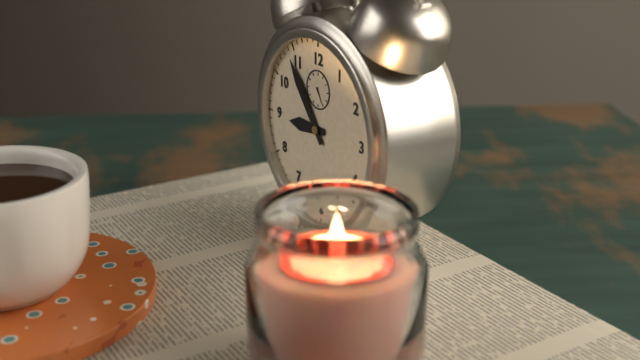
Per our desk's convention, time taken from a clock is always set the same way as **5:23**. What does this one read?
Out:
**8:54**
